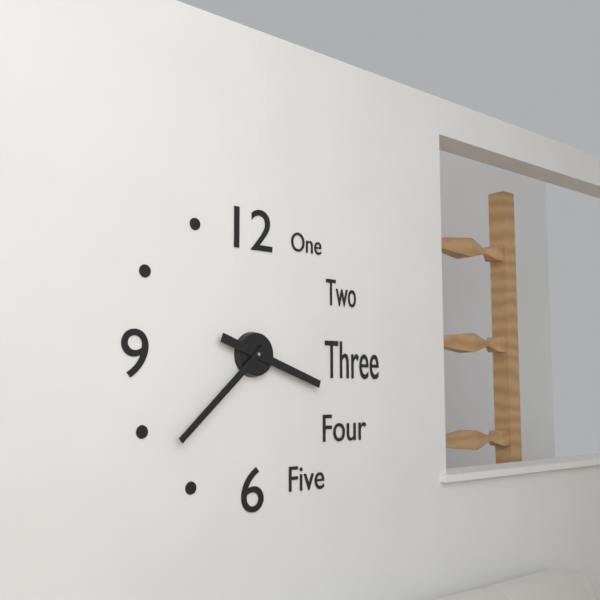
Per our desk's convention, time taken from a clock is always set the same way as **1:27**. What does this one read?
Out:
**3:38**
